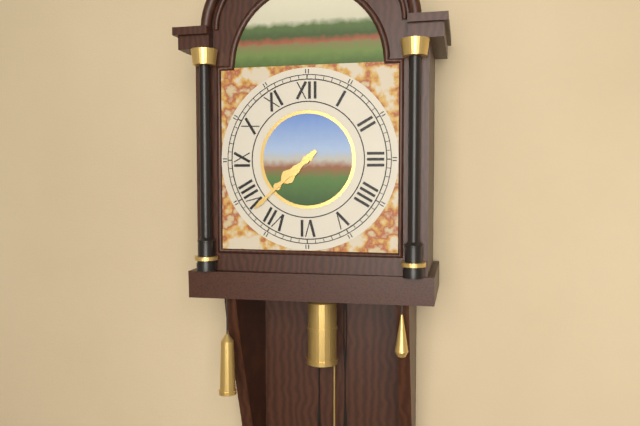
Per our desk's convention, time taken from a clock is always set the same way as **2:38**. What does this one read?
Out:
**7:38**
